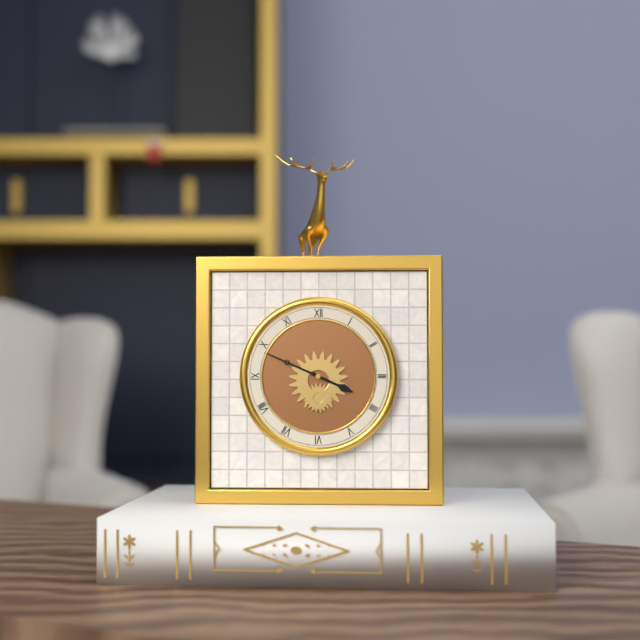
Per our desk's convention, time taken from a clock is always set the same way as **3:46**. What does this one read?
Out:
**3:49**
